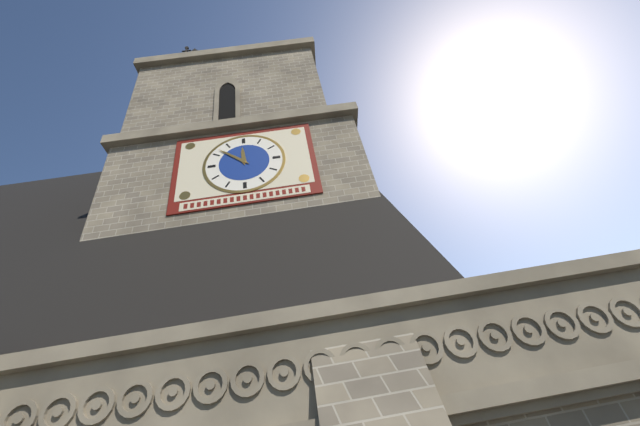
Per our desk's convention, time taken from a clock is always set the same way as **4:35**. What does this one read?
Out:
**11:52**
